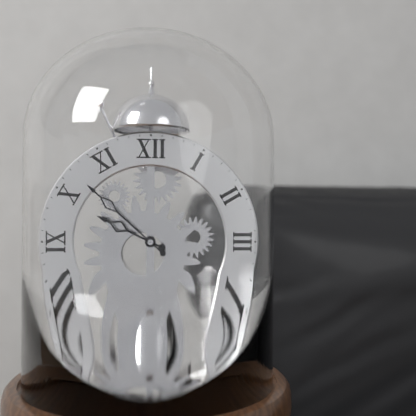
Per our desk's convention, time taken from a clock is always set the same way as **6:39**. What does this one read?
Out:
**9:52**
